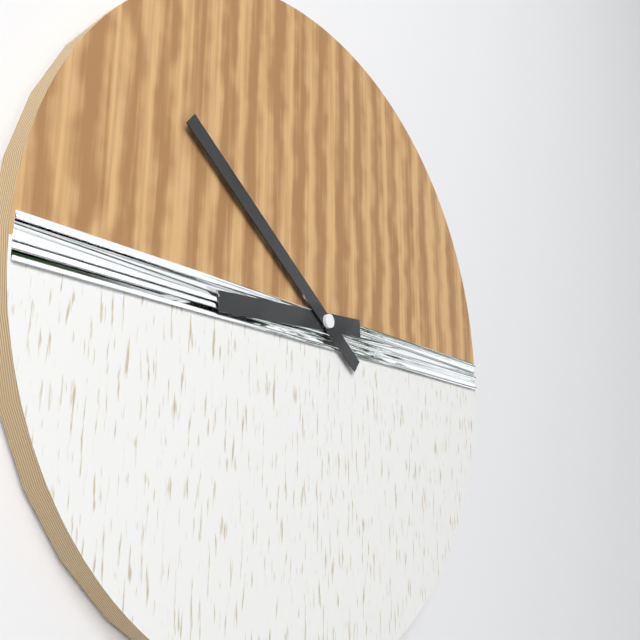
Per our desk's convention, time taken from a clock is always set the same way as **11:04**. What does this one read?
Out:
**8:51**
